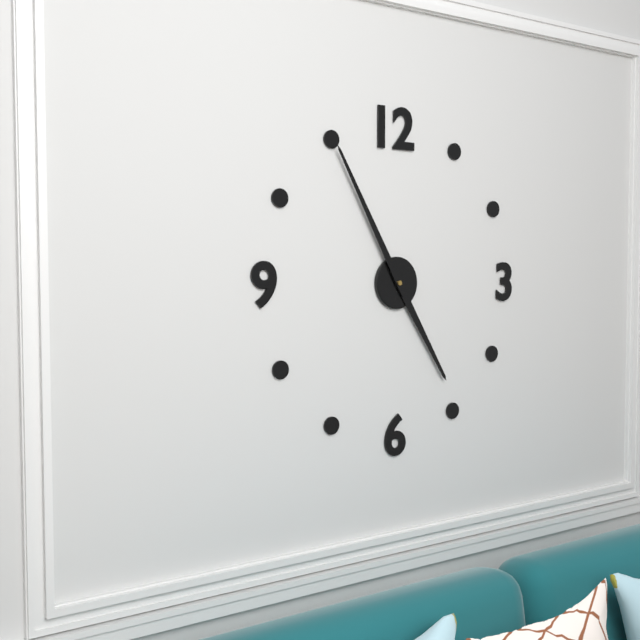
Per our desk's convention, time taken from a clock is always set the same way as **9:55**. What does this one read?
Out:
**4:55**
